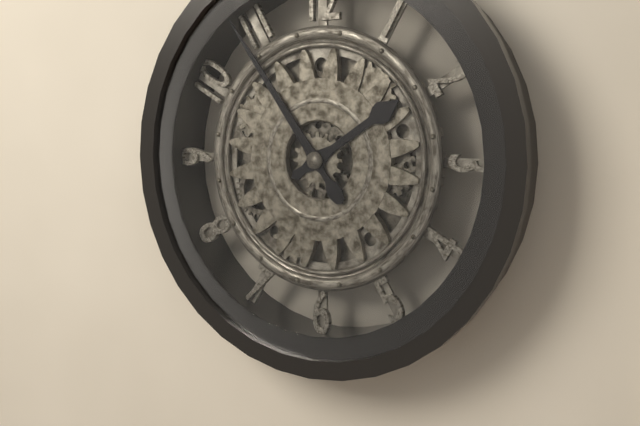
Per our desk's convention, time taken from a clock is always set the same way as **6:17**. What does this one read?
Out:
**1:54**
